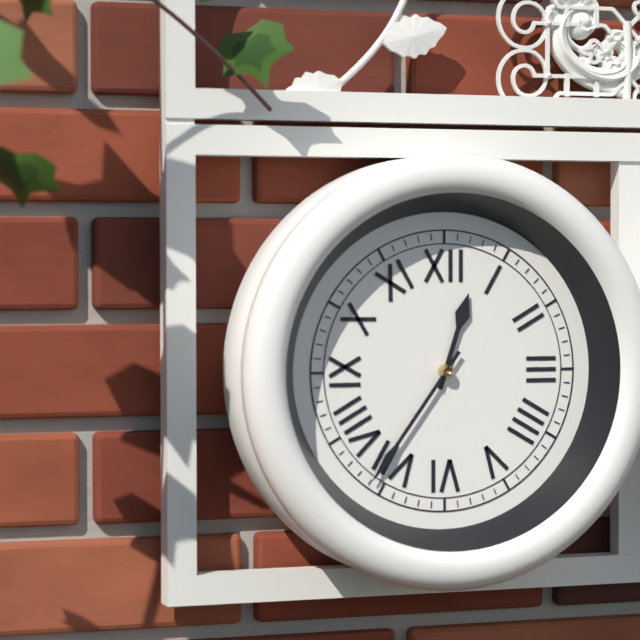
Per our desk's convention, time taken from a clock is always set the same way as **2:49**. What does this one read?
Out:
**12:36**
